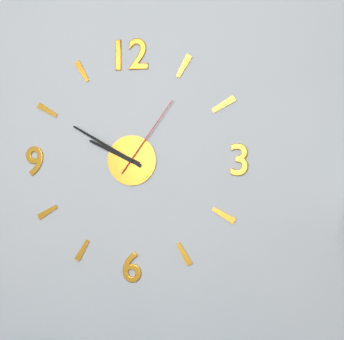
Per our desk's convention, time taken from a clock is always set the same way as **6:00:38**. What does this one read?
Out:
**9:50:06**
